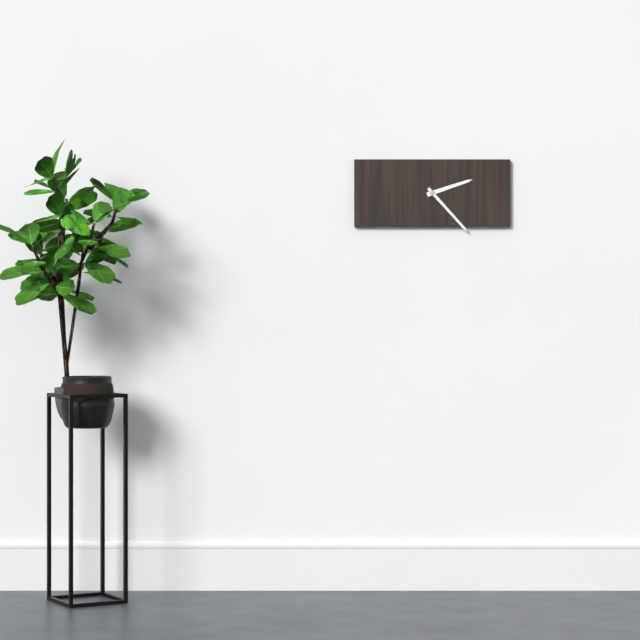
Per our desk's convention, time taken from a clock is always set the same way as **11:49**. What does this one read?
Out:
**2:23**
